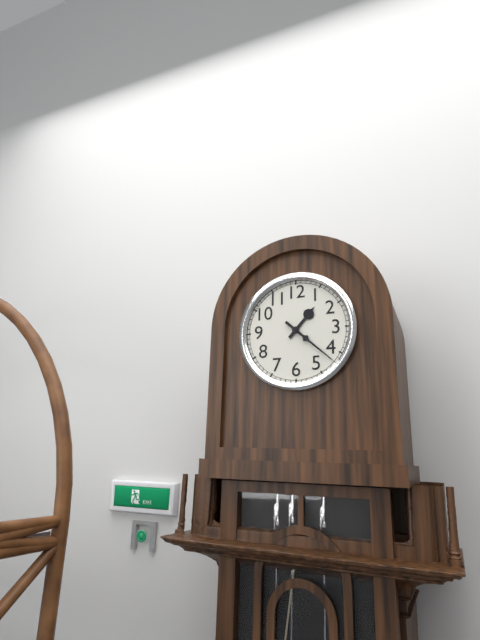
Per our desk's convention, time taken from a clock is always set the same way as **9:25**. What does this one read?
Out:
**1:22**
